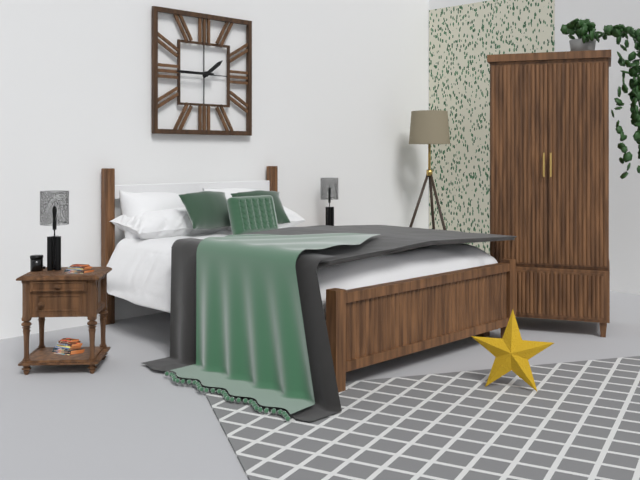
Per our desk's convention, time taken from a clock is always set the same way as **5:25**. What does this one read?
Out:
**1:45**
